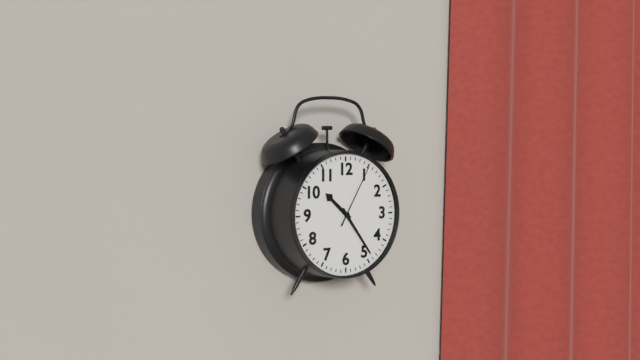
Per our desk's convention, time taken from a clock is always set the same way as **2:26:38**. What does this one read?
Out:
**10:24:05**
